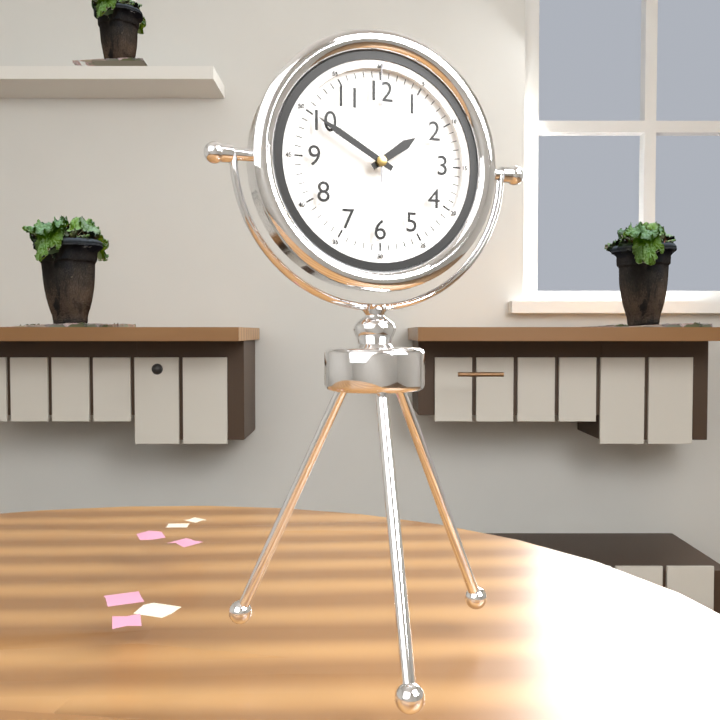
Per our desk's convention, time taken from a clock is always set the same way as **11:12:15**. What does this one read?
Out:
**1:50:00**
